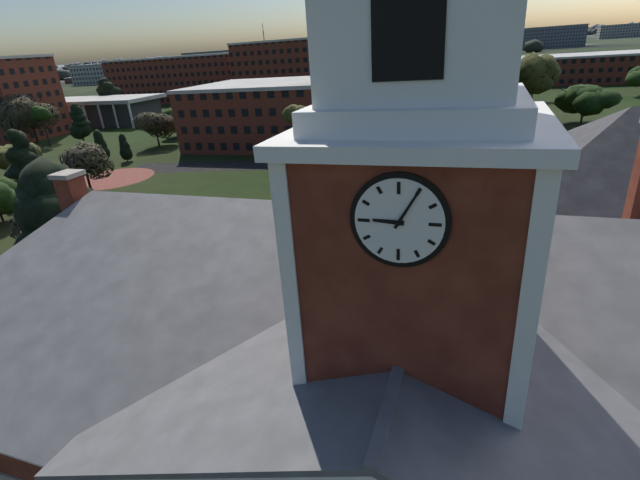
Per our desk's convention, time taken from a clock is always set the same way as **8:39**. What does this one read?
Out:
**9:05**
